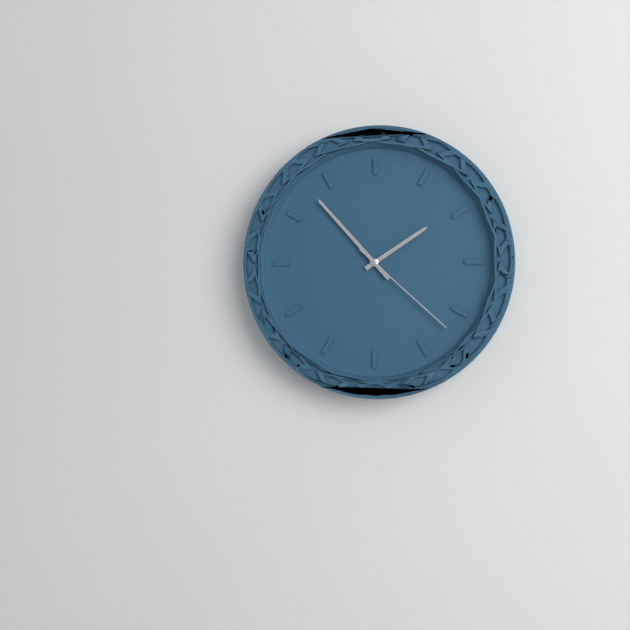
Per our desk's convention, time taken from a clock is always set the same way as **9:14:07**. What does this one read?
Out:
**1:53:22**
